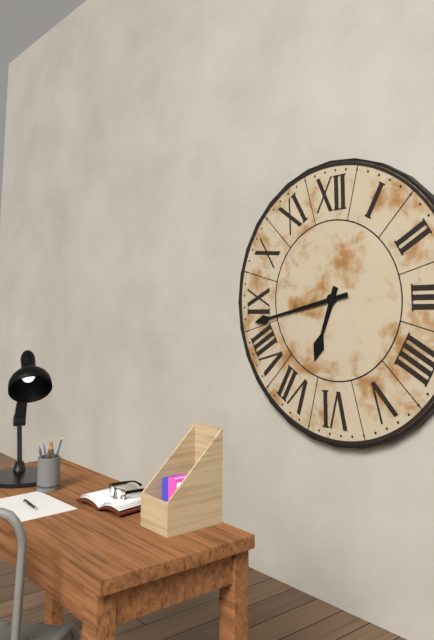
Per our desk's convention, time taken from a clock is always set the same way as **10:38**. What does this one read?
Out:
**6:43**
